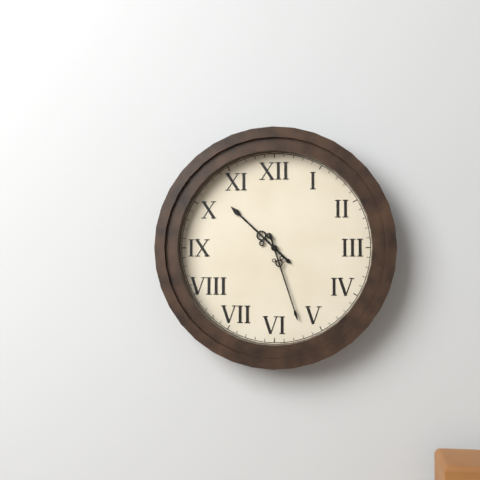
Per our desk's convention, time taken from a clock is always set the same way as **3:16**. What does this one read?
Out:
**10:27**
